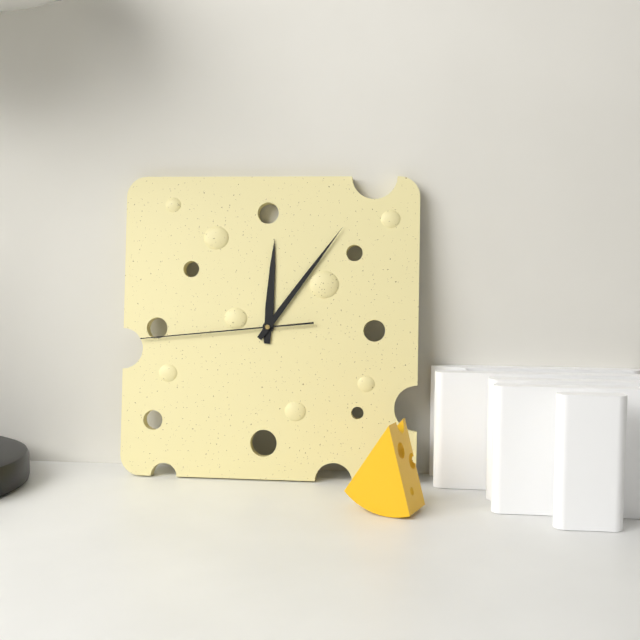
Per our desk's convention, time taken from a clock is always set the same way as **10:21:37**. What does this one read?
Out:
**12:06:44**
